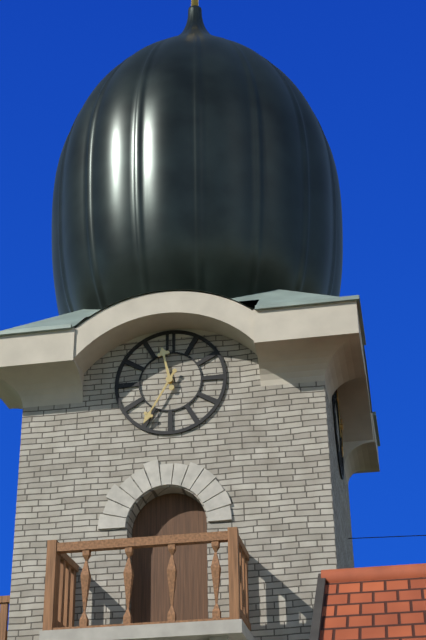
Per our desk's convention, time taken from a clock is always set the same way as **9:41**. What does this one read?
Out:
**11:35**
